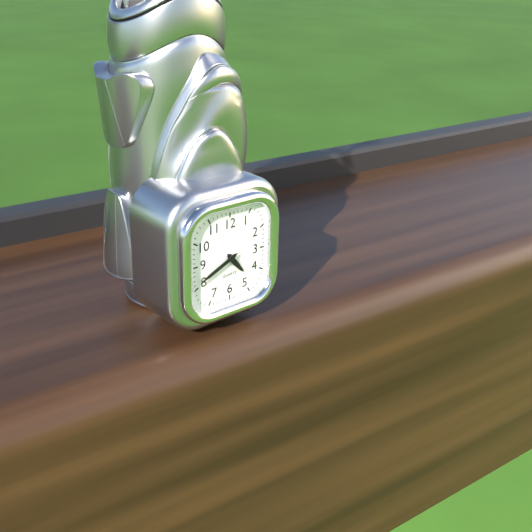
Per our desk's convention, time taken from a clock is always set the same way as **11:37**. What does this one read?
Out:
**4:41**
